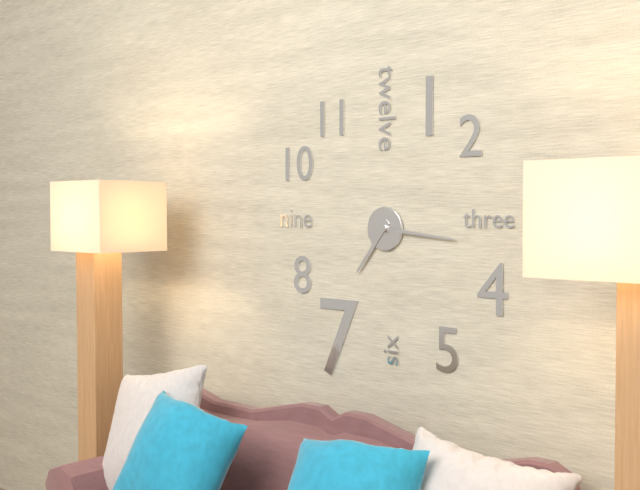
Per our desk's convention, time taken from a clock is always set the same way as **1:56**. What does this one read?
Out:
**7:16**
